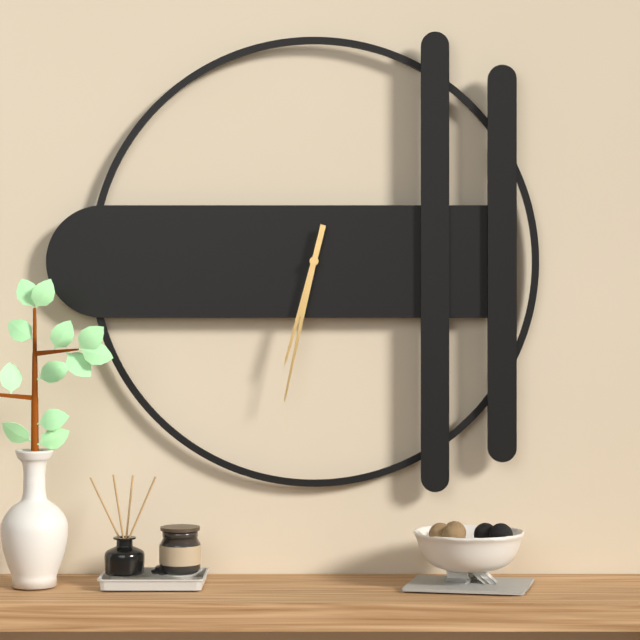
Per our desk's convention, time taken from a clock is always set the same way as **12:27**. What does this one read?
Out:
**6:32**
